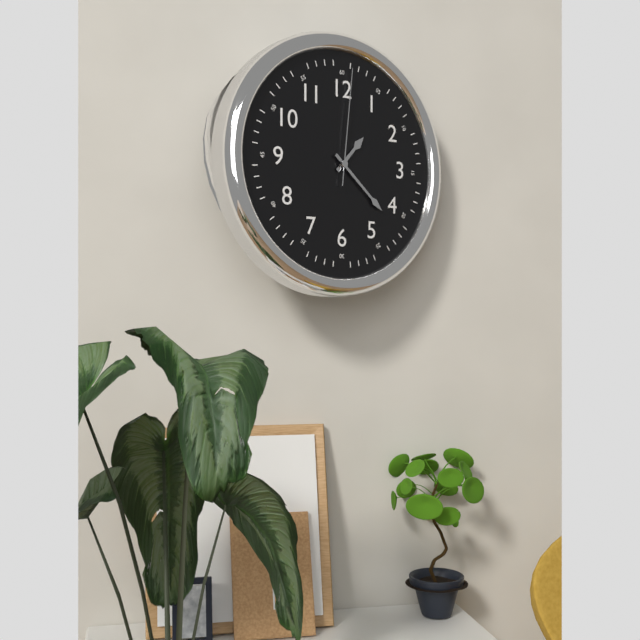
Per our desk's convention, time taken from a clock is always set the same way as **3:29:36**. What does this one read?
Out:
**1:22:01**
